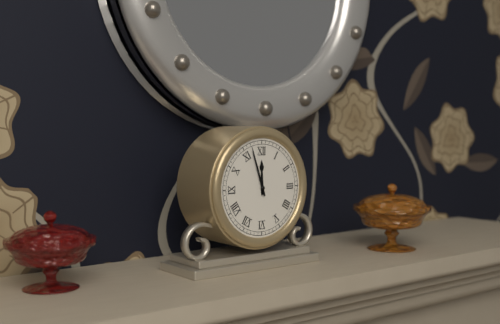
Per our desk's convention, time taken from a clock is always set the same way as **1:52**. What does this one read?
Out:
**11:57**
